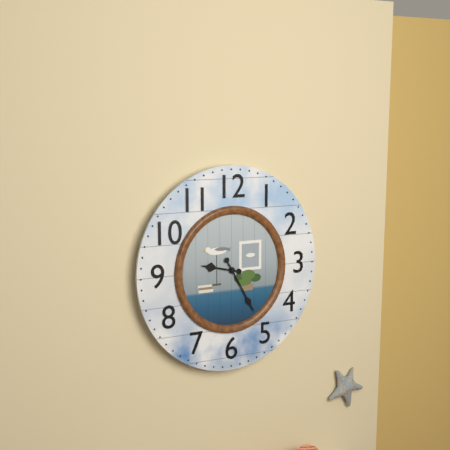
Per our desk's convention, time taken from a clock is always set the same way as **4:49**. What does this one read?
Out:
**9:25**
